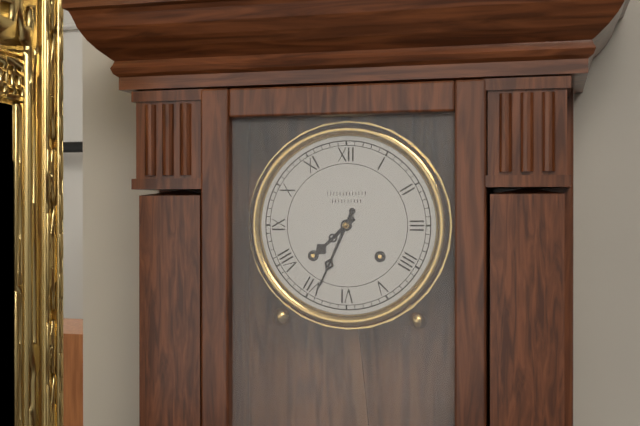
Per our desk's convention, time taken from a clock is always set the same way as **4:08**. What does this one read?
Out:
**7:34**
